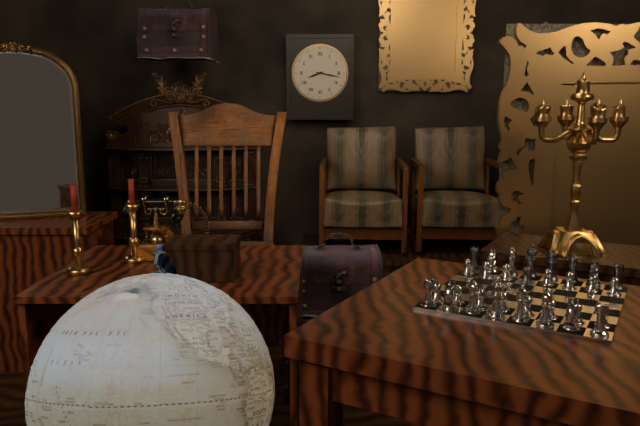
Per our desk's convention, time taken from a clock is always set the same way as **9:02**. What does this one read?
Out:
**8:17**
